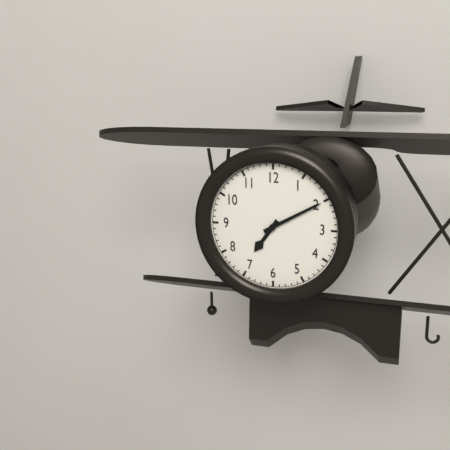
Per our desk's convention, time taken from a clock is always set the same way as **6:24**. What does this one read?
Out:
**7:10**
